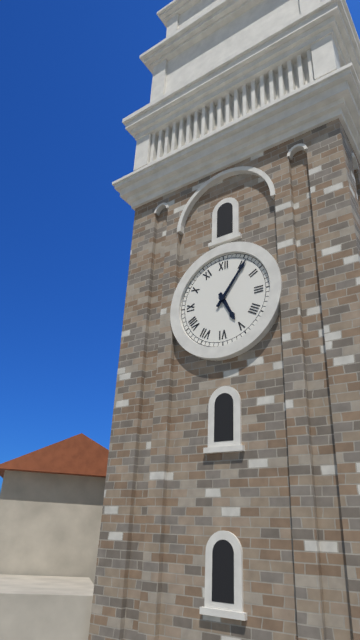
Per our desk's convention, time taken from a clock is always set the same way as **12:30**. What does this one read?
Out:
**5:06**
